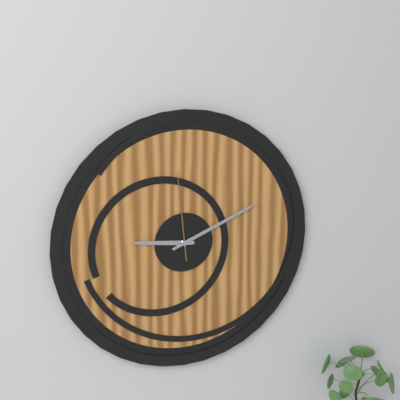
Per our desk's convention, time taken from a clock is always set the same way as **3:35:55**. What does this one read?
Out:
**9:11:59**
